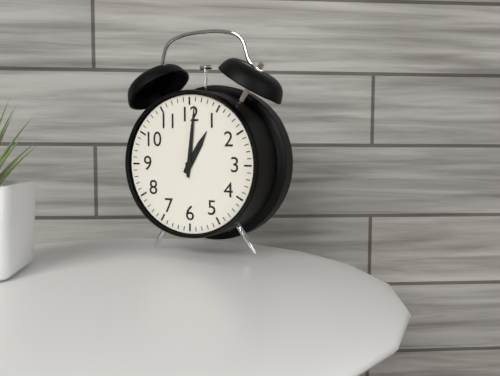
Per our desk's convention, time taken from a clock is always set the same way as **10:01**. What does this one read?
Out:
**1:01**
